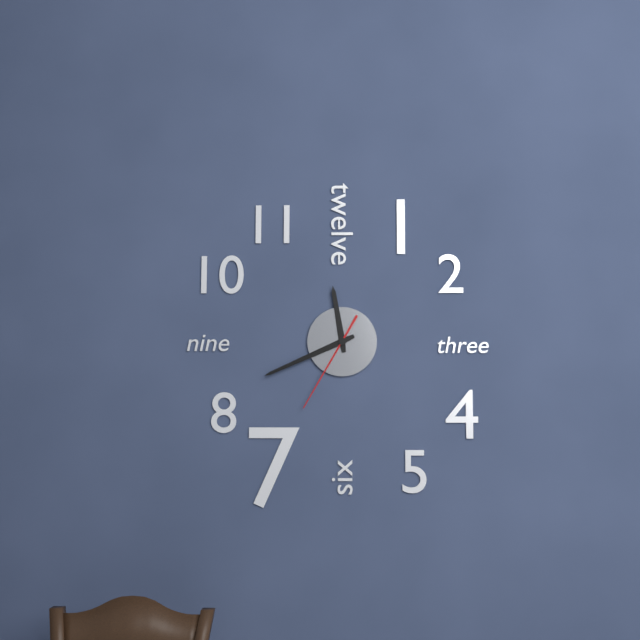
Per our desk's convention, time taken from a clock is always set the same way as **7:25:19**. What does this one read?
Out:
**11:41:35**
